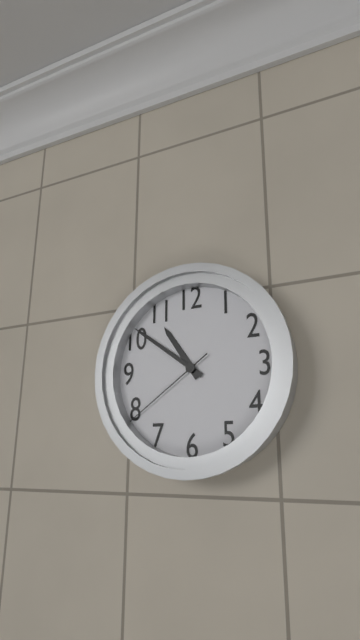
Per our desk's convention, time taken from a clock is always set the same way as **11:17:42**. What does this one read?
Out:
**10:51:39**
